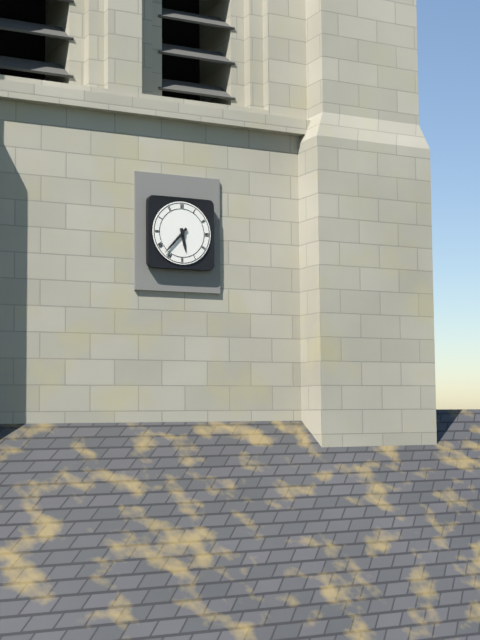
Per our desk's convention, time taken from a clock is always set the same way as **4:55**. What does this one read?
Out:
**5:37**
